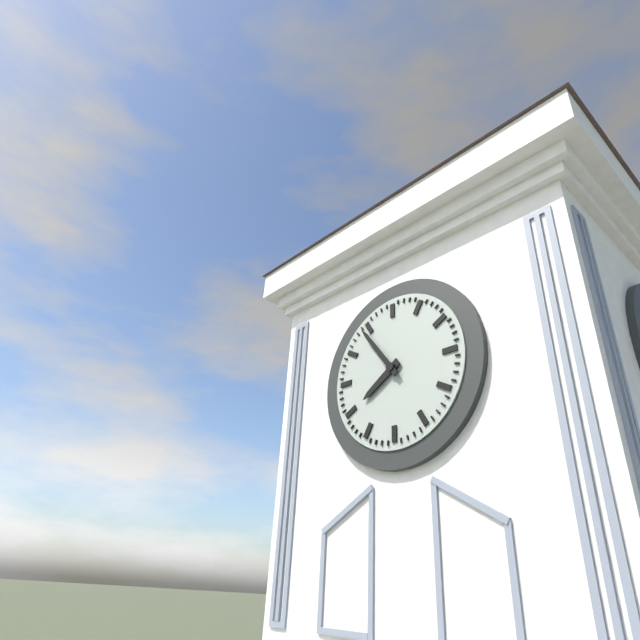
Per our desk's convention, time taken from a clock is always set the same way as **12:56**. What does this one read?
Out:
**7:54**
